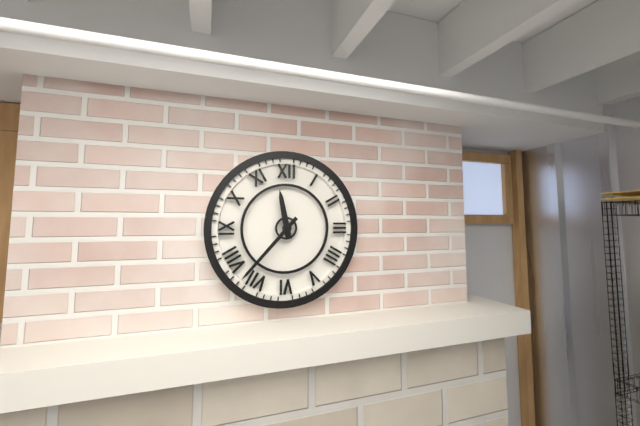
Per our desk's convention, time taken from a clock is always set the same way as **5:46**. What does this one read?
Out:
**11:37**
